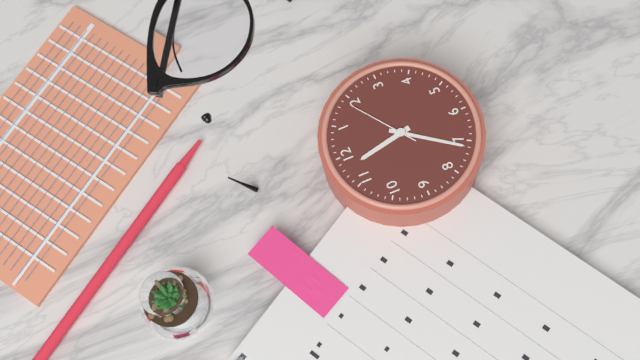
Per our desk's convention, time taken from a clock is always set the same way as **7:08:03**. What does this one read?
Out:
**11:36:09**
